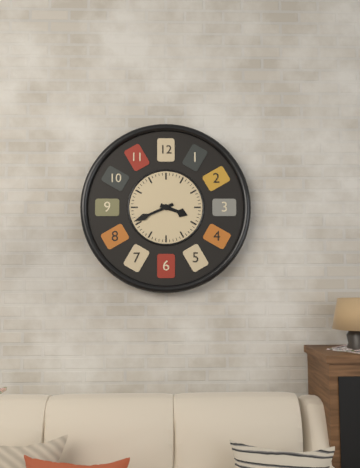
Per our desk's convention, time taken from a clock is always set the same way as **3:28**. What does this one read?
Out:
**3:41**
